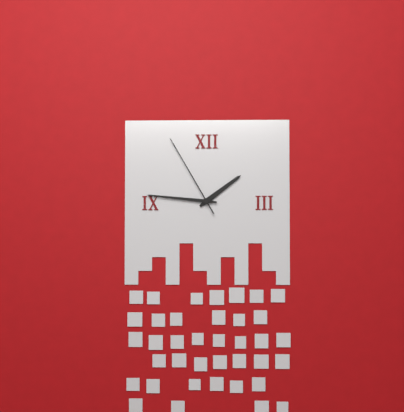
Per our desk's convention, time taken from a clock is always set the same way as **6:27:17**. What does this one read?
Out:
**1:46:55**
